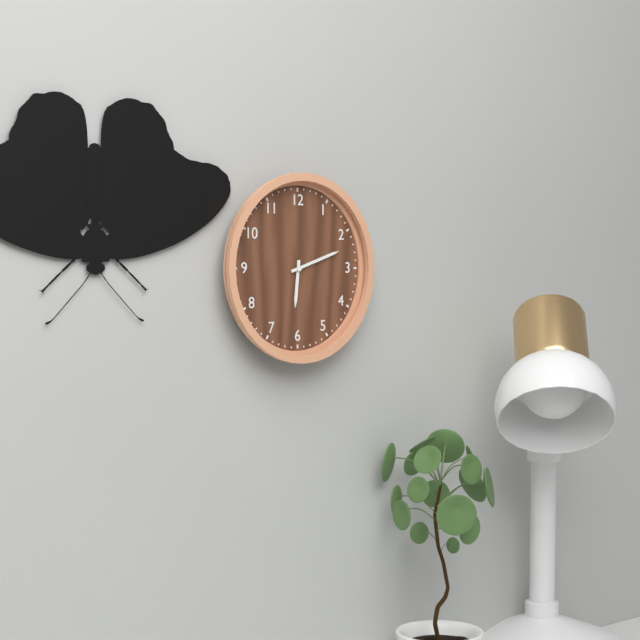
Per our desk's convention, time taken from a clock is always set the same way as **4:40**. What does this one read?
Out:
**6:12**
